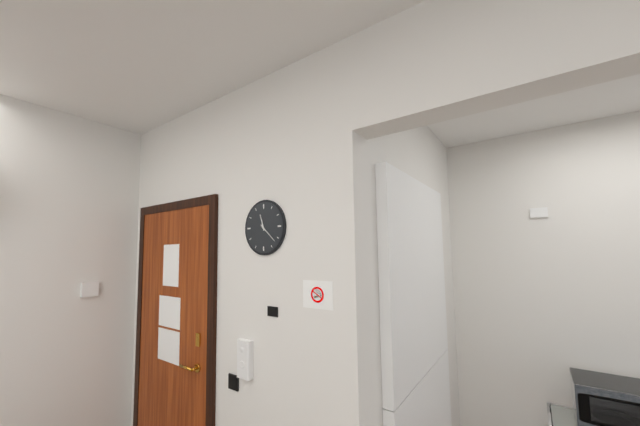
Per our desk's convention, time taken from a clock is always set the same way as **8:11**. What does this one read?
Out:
**11:22**
